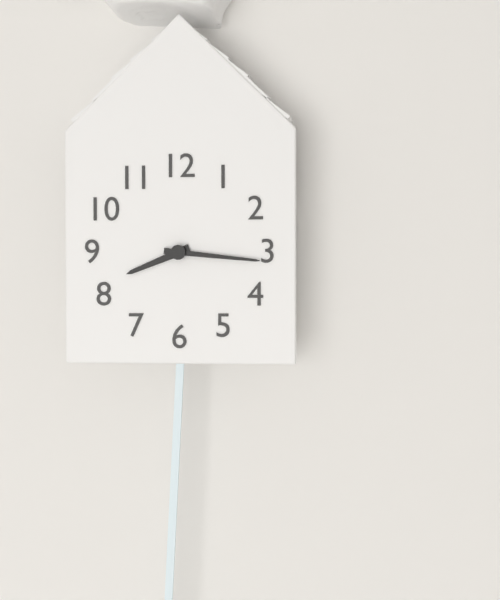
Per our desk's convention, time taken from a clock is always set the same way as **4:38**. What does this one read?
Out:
**8:16**
